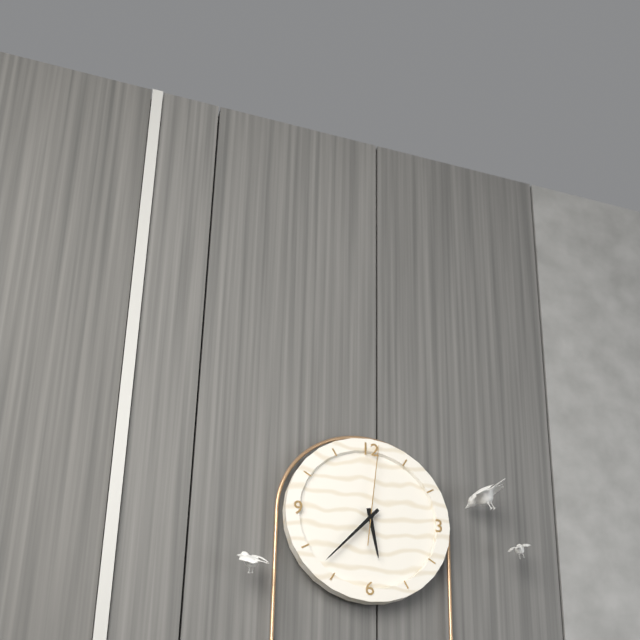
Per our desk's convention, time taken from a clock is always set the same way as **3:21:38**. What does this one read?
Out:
**5:37:01**
